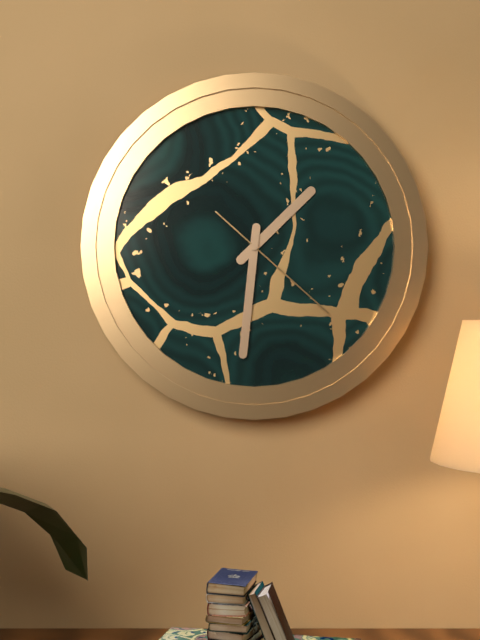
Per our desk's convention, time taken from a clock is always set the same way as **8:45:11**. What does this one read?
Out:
**1:31:22**
